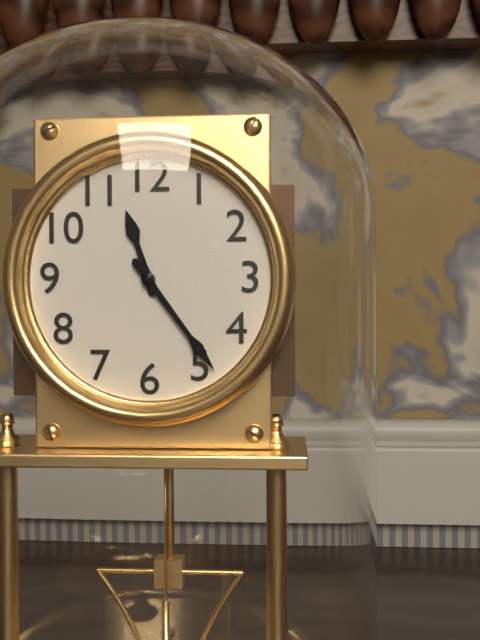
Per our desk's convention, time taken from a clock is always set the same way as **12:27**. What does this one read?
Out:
**11:24**
